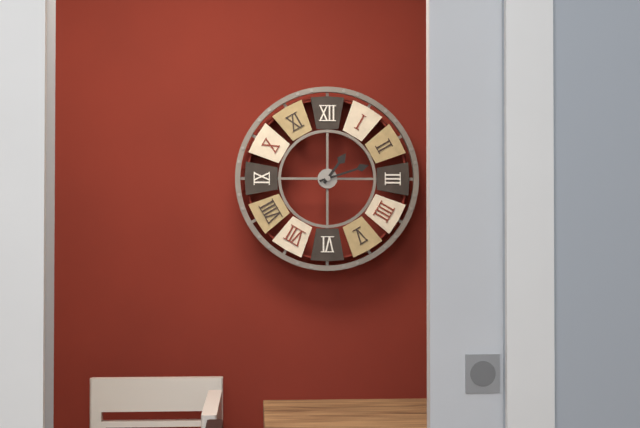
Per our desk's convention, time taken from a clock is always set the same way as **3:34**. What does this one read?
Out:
**1:12**
